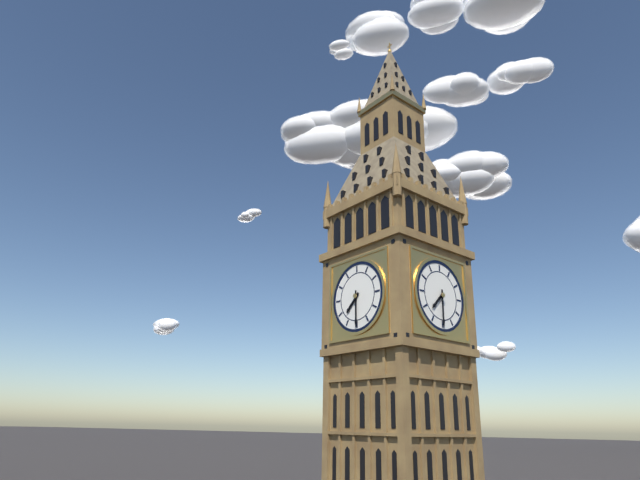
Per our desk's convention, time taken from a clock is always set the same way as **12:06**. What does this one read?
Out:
**7:30**
